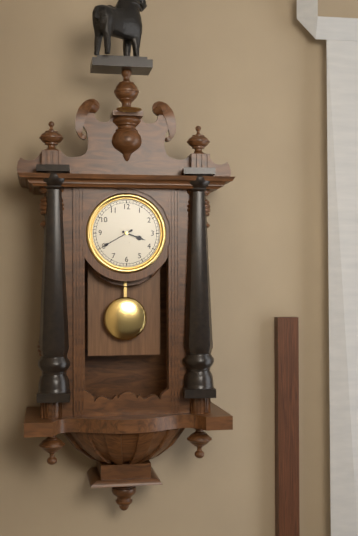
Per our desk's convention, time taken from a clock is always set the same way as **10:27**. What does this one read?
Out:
**3:40**
